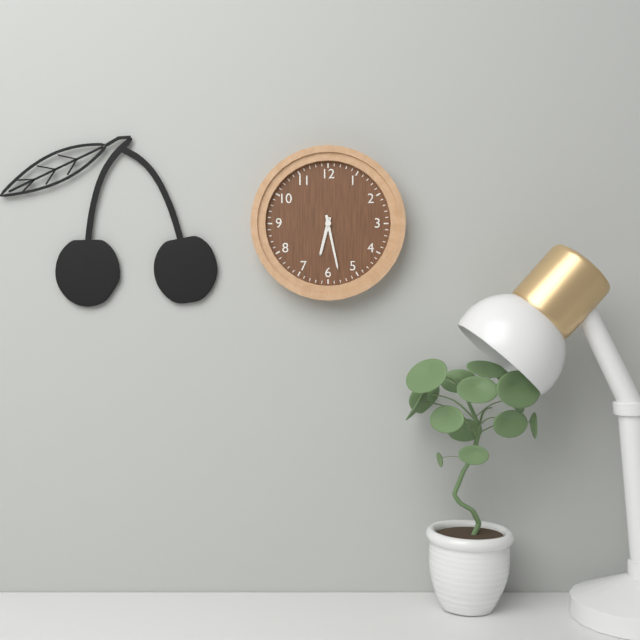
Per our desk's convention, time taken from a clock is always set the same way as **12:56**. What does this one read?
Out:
**6:28**
